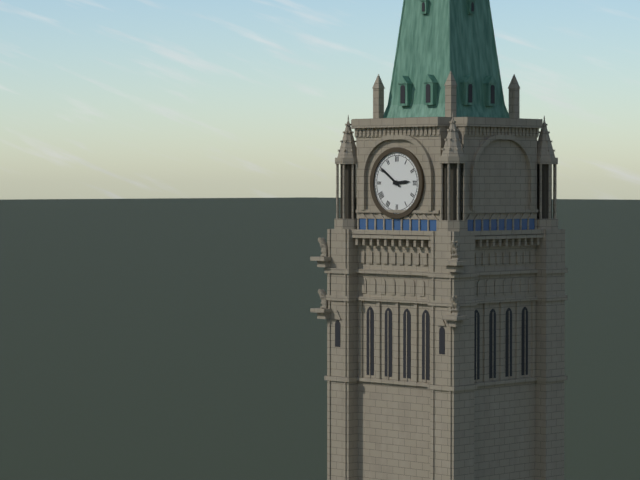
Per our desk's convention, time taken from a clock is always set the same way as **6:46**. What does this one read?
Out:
**2:51**
